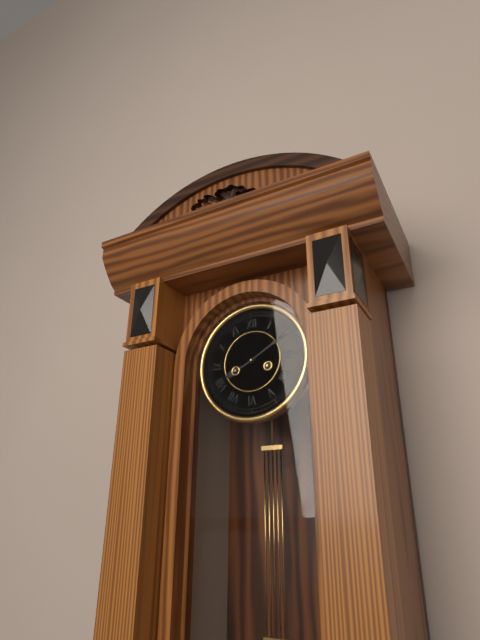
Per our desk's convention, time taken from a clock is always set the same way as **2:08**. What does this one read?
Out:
**8:10**
